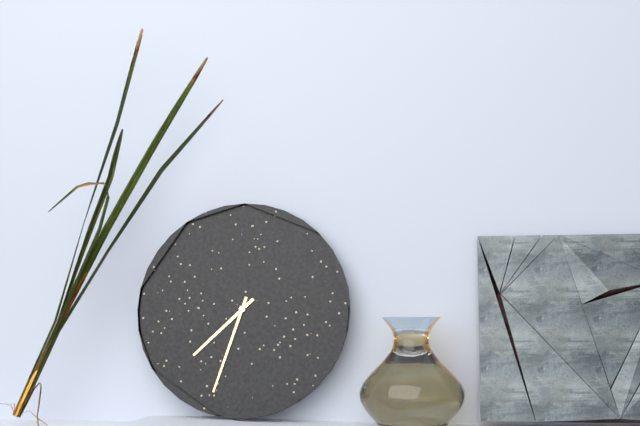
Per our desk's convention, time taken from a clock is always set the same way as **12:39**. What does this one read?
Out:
**7:33**
